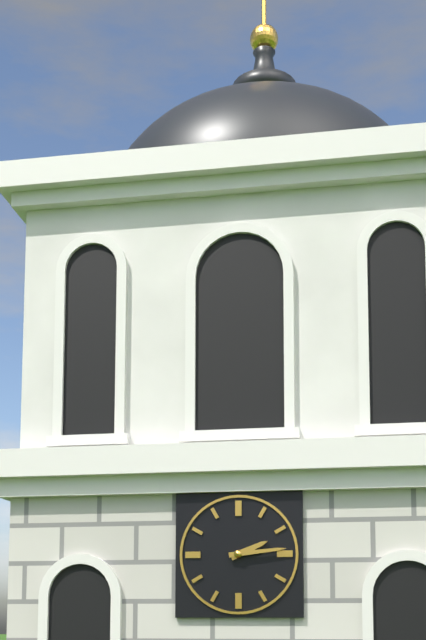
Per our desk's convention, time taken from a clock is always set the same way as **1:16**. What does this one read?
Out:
**2:14**
